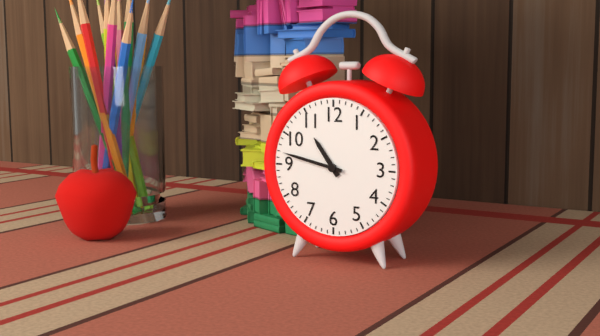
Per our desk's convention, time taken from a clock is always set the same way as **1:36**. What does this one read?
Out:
**10:47**
